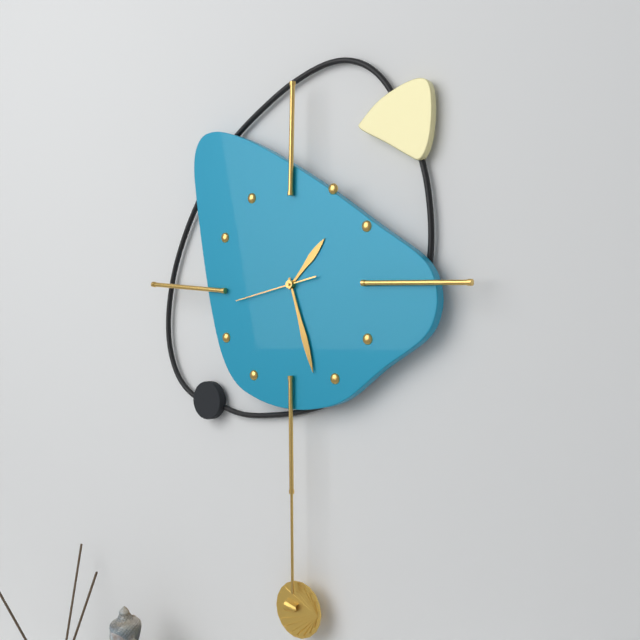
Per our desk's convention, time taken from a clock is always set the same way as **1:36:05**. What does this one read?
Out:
**1:27:43**
